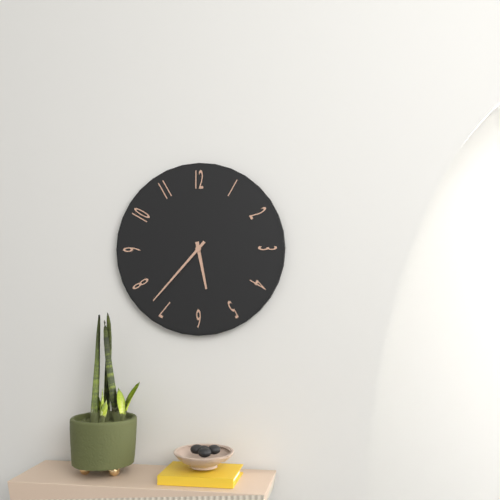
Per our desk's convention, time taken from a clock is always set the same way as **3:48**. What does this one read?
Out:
**5:37**
